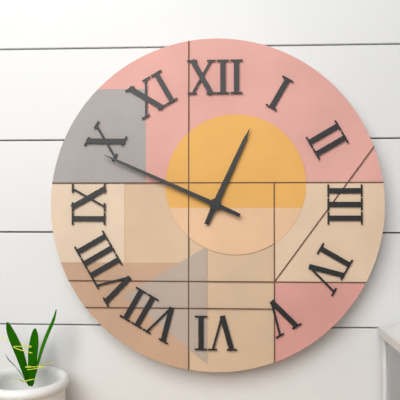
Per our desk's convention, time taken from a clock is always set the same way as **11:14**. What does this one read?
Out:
**12:49**
